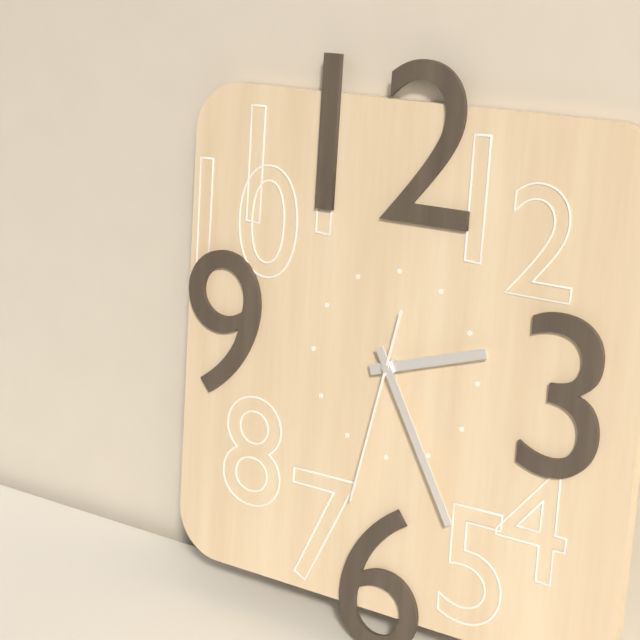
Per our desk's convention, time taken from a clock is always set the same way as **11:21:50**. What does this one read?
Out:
**2:25:32**
